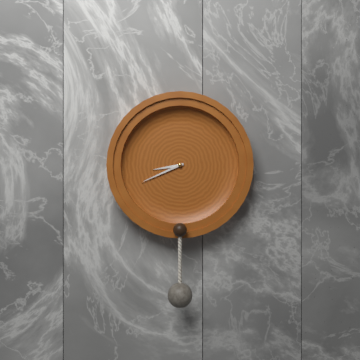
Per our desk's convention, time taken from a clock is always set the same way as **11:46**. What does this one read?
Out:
**8:41**
